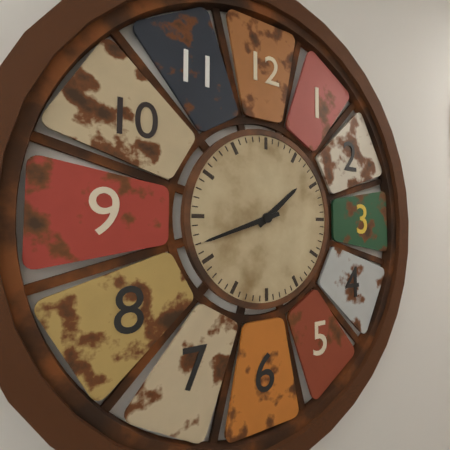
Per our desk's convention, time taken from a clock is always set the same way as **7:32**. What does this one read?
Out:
**1:42**
